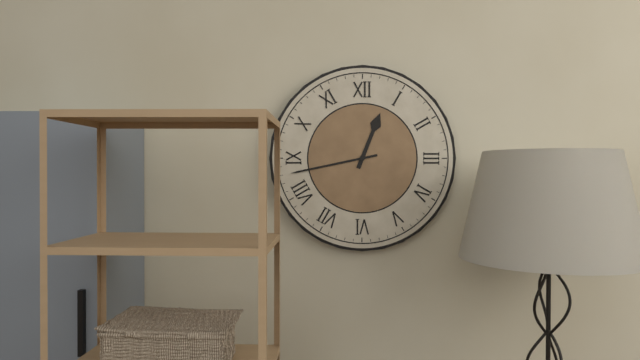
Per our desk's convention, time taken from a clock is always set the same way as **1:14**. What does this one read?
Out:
**12:43**
